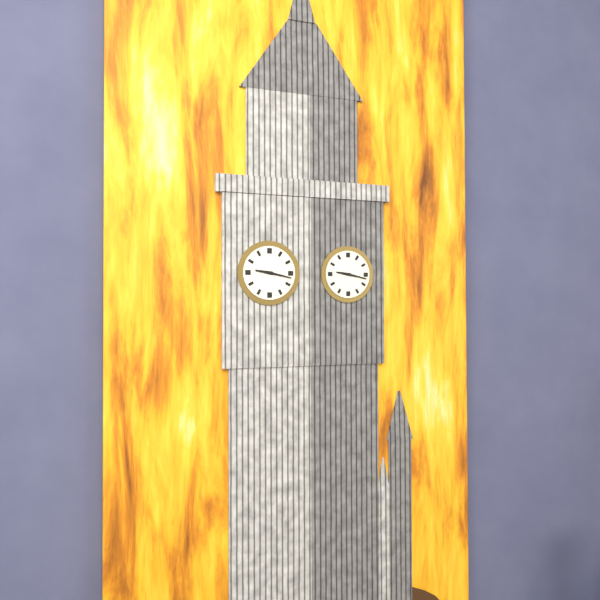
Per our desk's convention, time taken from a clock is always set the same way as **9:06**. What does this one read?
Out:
**9:17**
